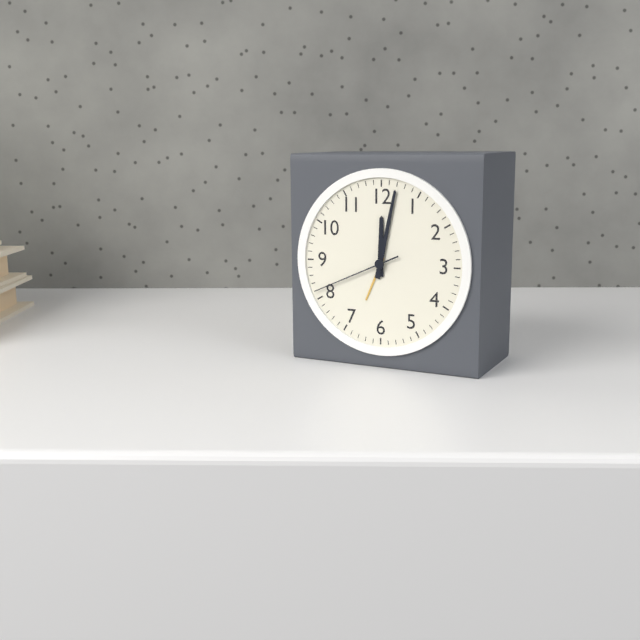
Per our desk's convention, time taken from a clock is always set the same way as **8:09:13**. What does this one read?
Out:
**12:02:41**
